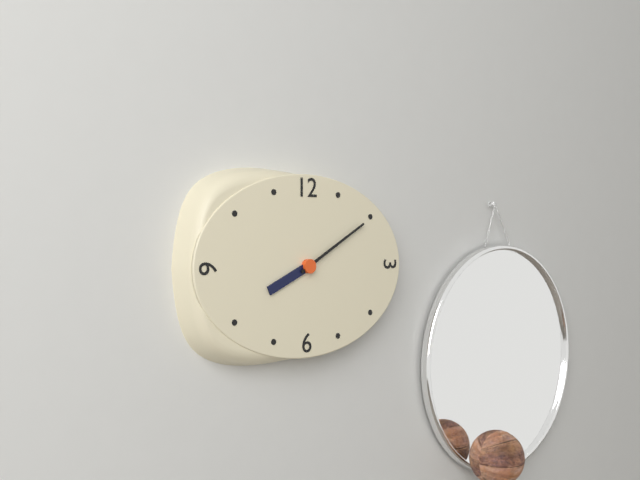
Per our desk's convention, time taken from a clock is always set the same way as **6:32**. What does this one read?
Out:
**8:10**
